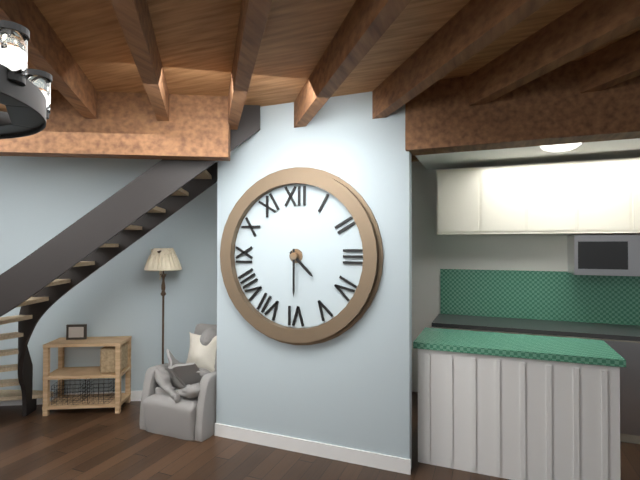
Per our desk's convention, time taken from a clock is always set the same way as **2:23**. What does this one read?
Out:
**4:30**
